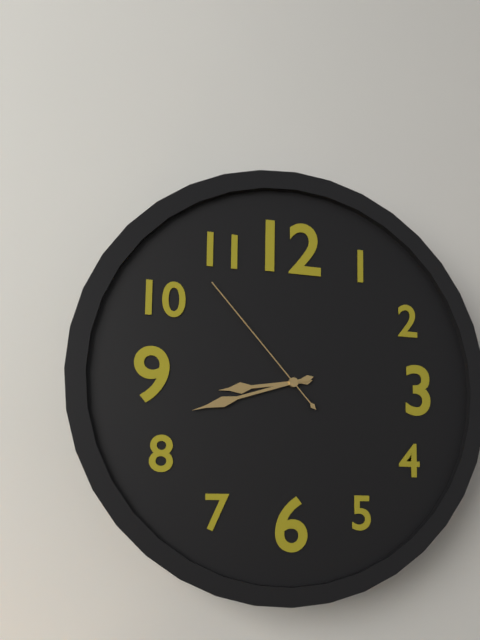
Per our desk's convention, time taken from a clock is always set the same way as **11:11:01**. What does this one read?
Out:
**8:42:53**
